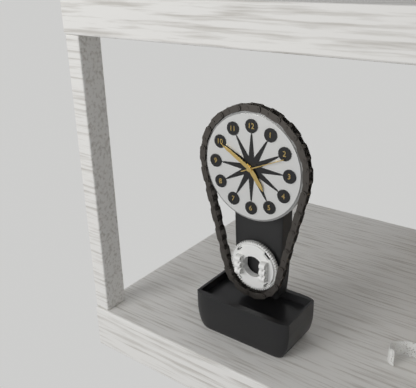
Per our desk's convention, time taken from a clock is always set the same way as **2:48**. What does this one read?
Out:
**4:50**
